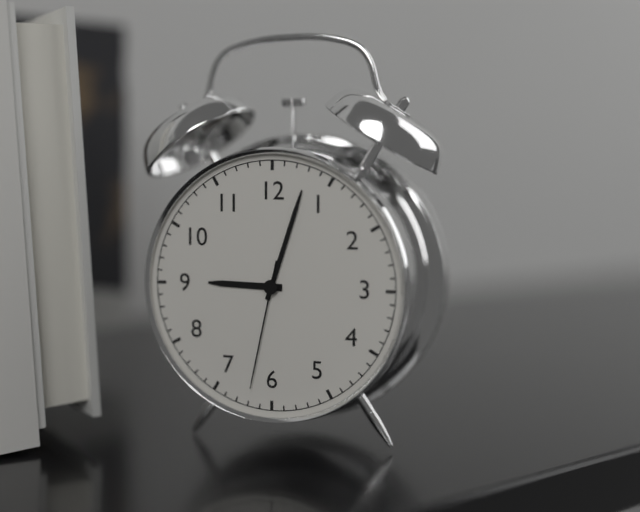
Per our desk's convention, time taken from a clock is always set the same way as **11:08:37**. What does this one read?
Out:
**9:03:32**
